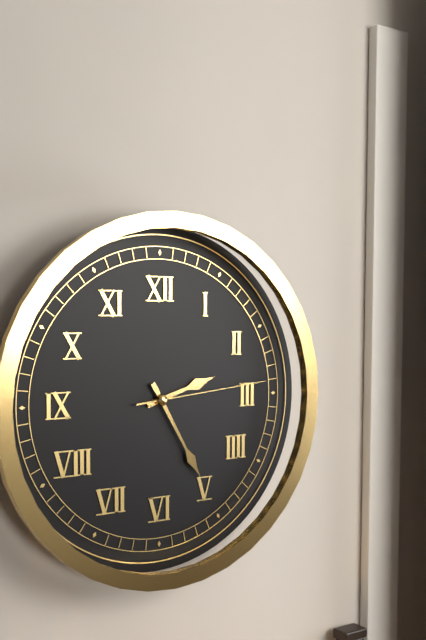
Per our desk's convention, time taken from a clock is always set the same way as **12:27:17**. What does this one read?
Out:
**2:25:14**
